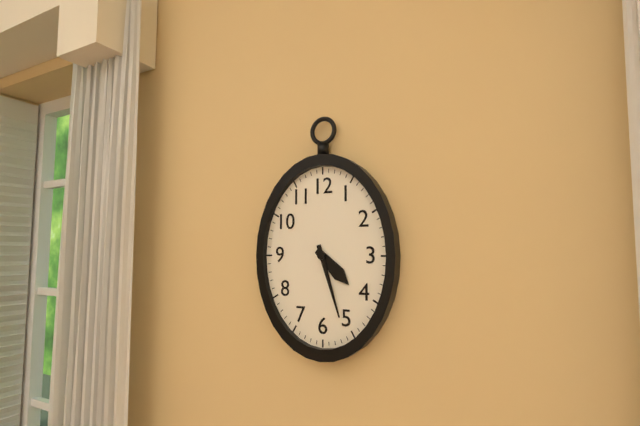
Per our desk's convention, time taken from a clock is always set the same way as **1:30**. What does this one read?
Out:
**4:27**
